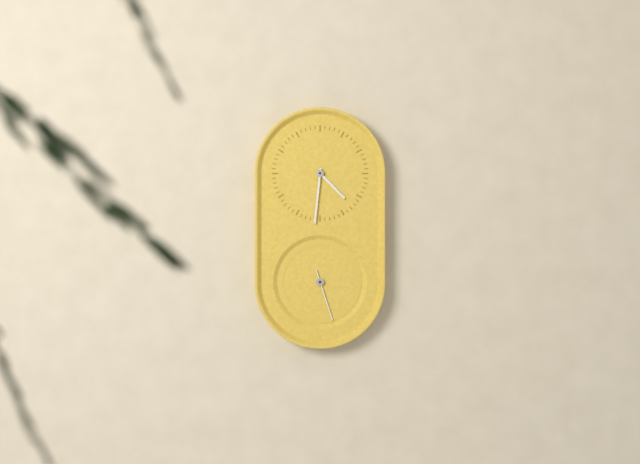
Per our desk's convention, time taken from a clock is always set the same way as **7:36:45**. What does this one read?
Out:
**4:31:27**
